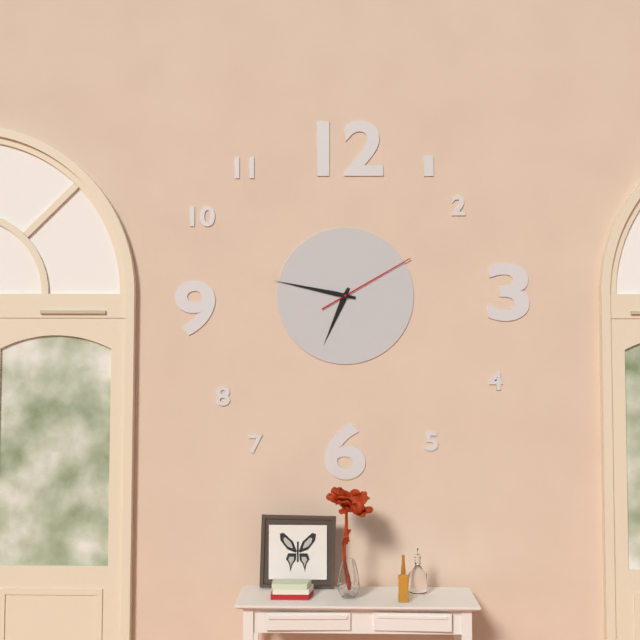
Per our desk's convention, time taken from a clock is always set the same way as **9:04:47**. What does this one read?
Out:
**6:47:10**
